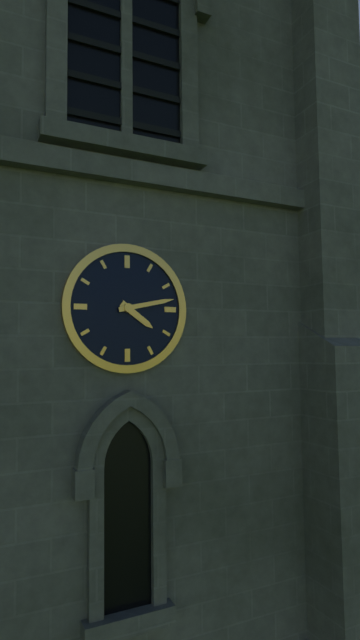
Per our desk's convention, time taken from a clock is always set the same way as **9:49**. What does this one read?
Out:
**4:13**
